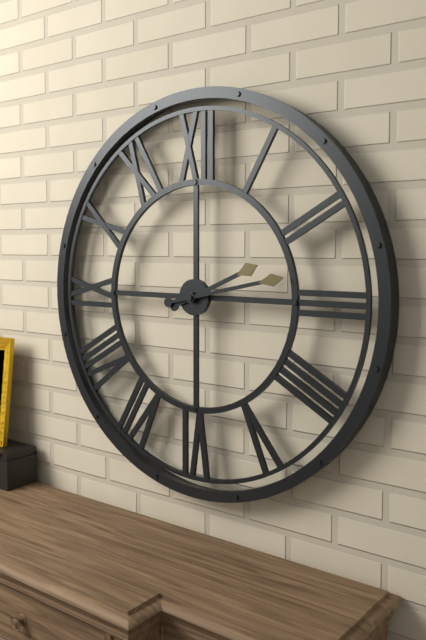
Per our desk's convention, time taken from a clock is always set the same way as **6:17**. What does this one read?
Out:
**2:13**
